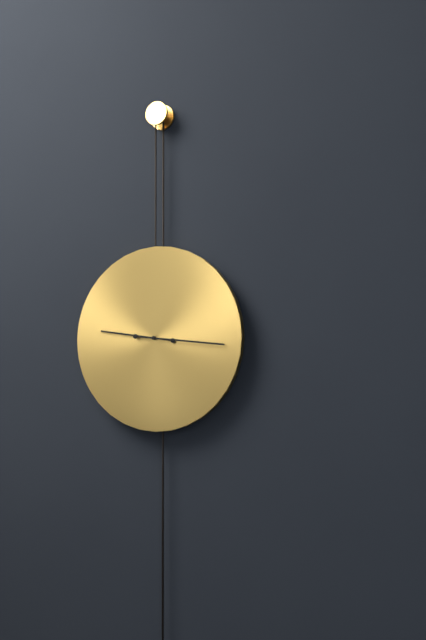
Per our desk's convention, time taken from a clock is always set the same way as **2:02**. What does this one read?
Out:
**9:16**
